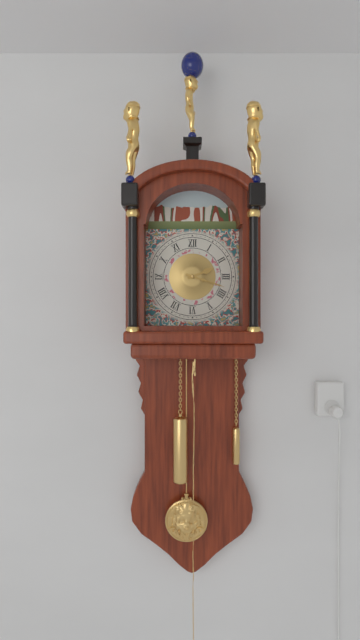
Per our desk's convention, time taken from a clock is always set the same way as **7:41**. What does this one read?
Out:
**2:18**
